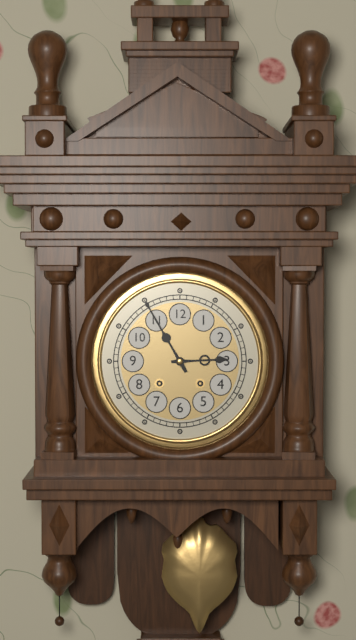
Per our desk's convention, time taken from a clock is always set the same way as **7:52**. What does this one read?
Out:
**2:55**
